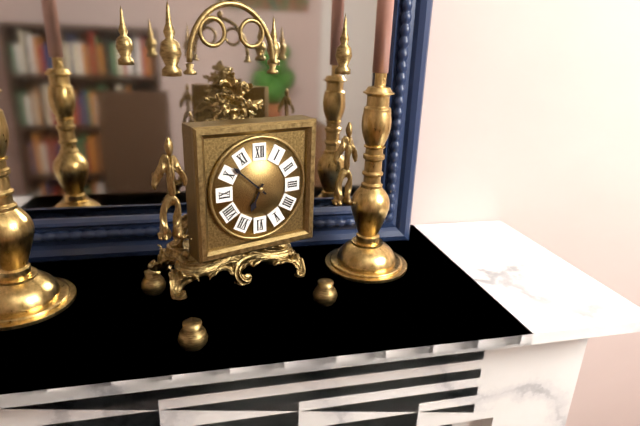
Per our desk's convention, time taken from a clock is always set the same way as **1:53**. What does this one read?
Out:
**6:52**
